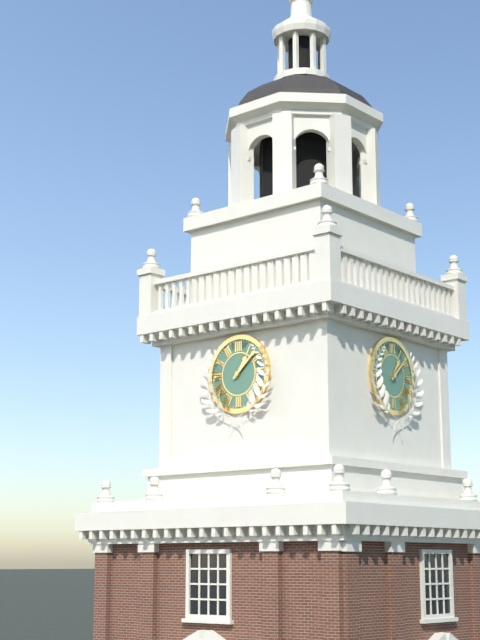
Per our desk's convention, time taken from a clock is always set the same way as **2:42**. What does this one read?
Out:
**1:08**
